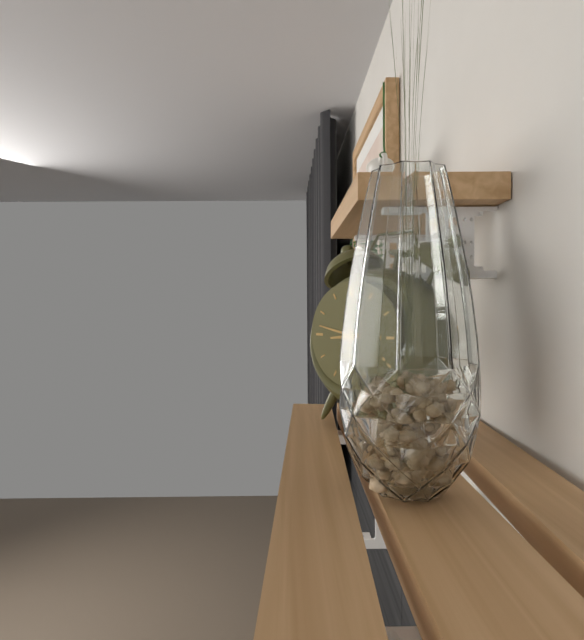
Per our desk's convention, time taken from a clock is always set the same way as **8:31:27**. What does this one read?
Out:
**8:47:31**
